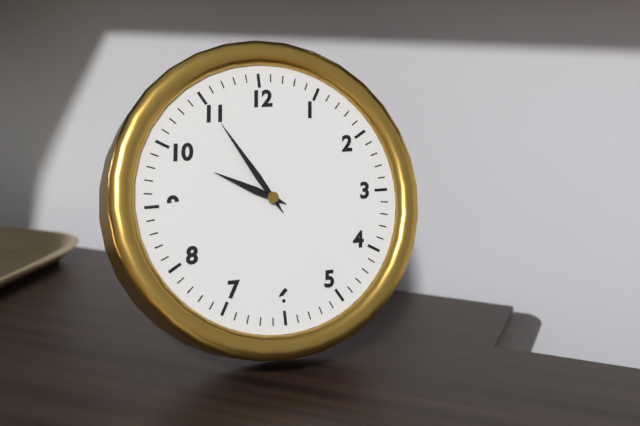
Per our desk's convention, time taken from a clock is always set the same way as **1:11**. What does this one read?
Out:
**9:55**
